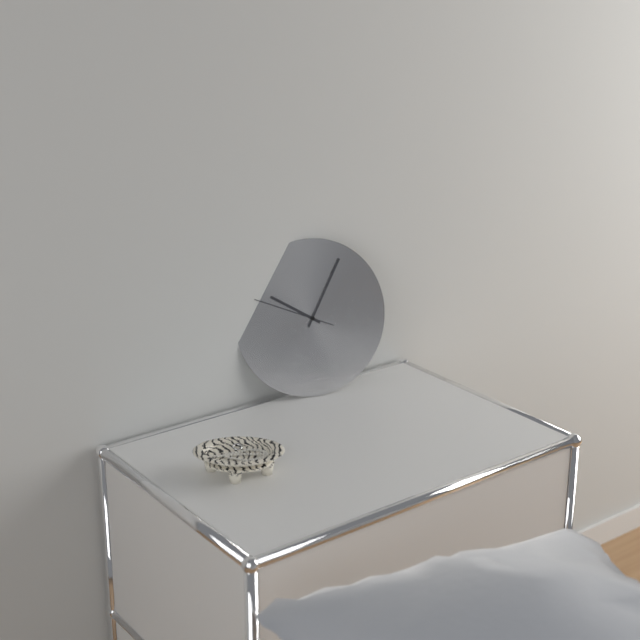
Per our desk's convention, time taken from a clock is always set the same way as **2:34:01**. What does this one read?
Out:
**10:05:49**
